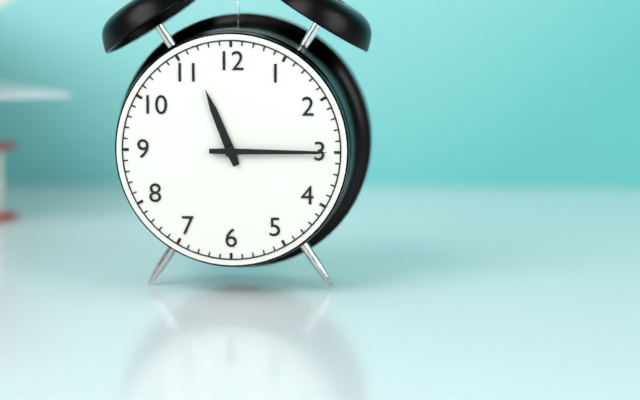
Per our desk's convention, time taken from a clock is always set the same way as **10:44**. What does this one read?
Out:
**11:15**
